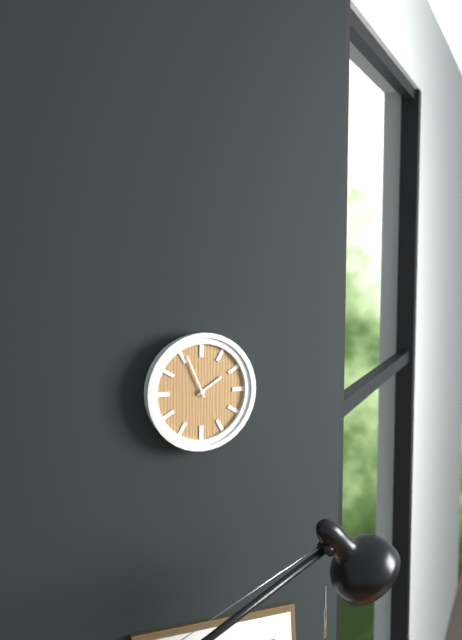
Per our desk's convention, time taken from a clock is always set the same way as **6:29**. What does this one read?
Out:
**1:56**
